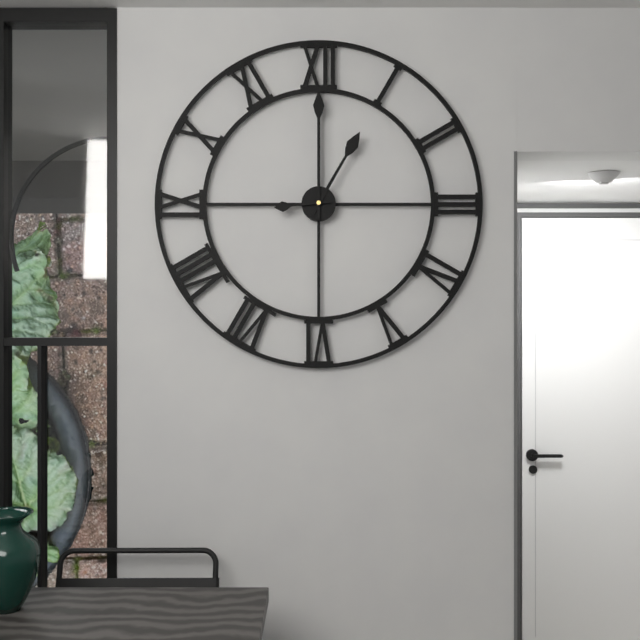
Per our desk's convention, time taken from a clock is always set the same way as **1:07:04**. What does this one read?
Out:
**1:00:44**
